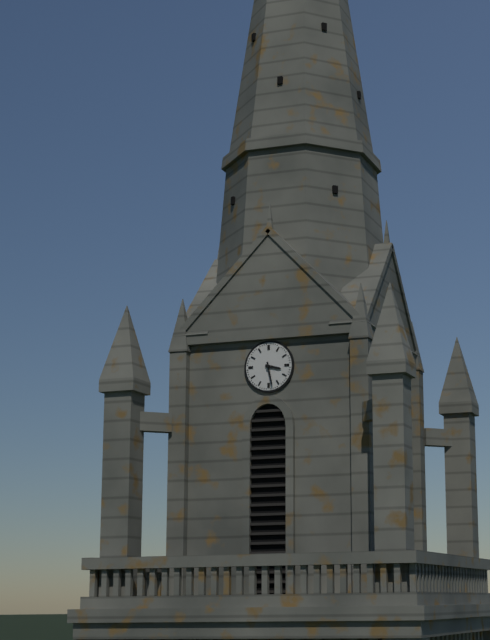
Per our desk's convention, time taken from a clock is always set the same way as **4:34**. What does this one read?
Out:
**3:28**
